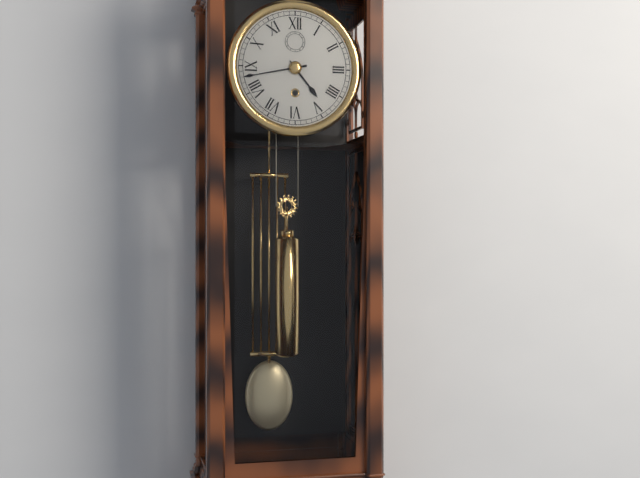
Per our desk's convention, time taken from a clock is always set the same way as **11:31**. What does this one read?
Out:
**4:43**
